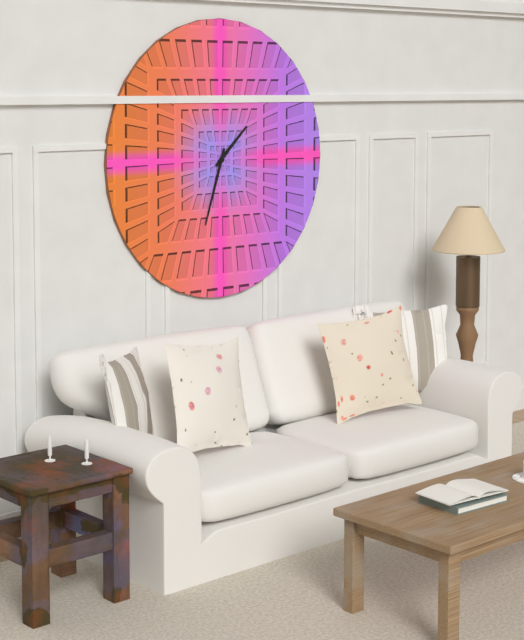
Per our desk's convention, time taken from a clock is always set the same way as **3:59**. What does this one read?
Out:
**1:33**
